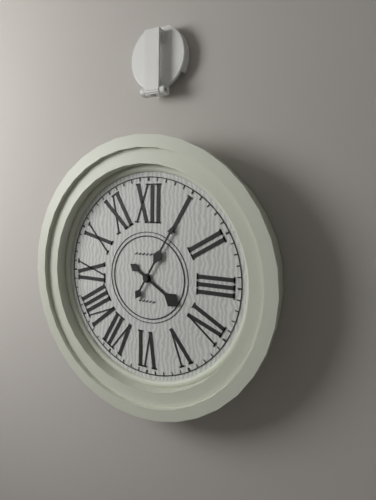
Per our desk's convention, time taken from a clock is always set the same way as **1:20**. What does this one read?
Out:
**4:05**
